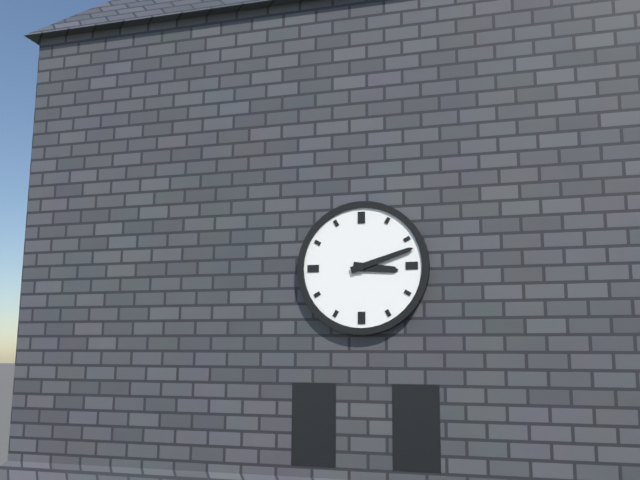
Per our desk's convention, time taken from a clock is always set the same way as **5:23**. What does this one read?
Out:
**3:12**
